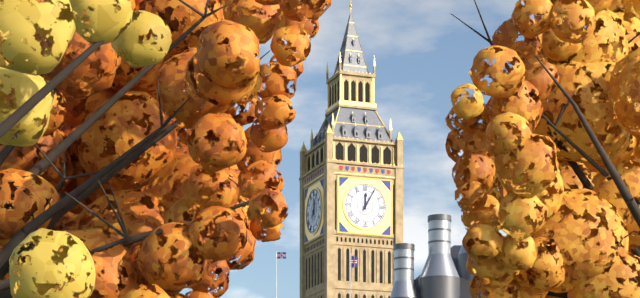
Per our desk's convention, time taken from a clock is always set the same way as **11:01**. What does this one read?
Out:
**12:05**
